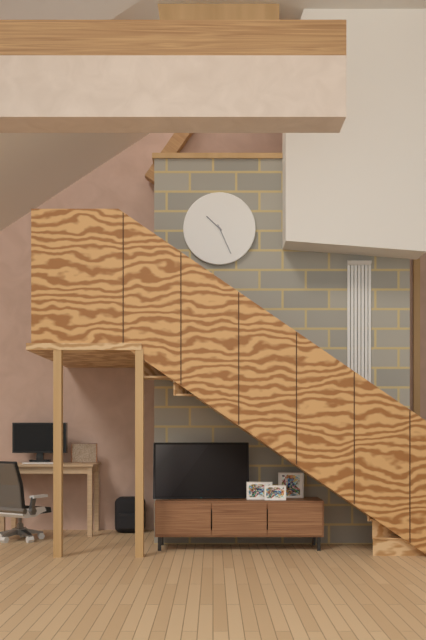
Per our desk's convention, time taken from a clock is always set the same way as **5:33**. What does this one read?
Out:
**10:26**
